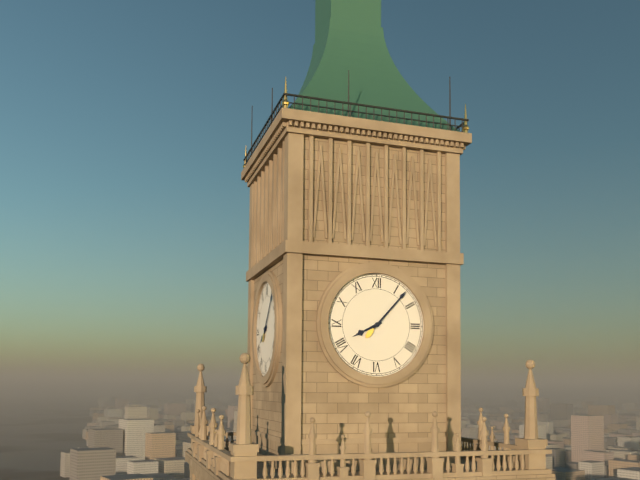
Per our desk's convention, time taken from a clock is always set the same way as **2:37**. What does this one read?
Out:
**8:07**
